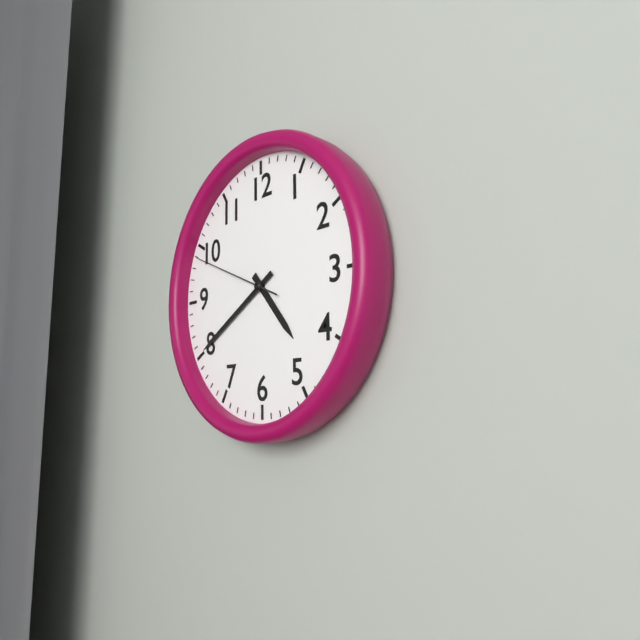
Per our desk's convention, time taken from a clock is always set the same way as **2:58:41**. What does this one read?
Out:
**4:40:49**
